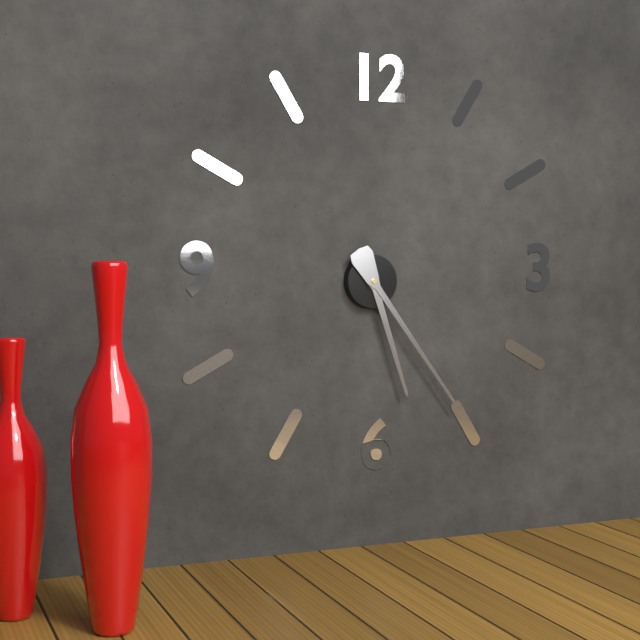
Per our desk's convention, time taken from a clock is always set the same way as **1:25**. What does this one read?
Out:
**5:24**
